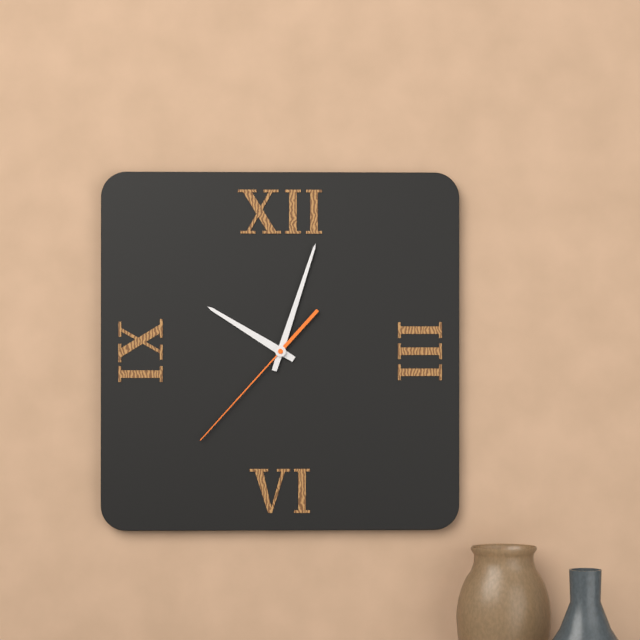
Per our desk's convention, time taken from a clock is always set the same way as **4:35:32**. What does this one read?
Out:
**10:03:37**
